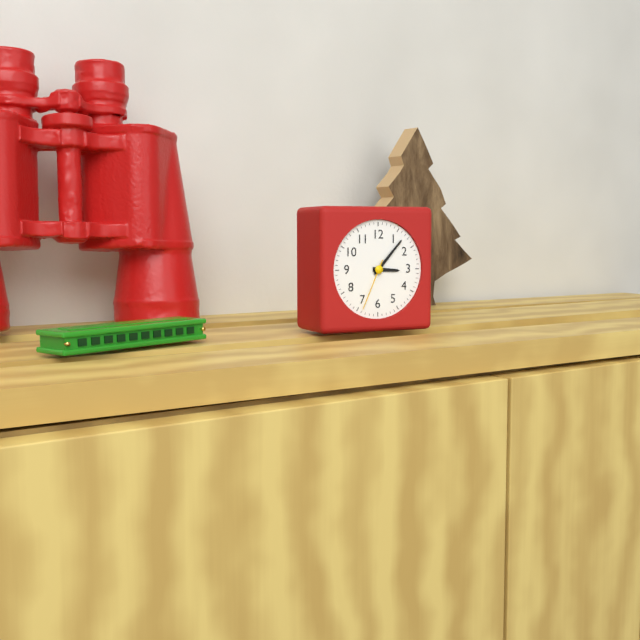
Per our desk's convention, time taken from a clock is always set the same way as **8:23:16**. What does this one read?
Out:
**3:07:34**
